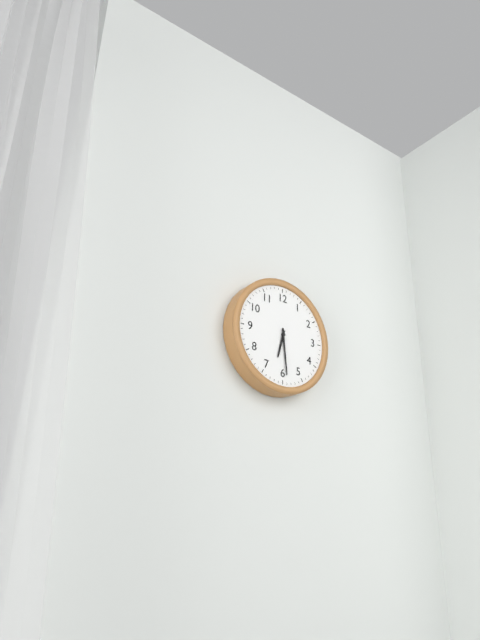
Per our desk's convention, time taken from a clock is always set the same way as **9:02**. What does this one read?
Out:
**6:29**
